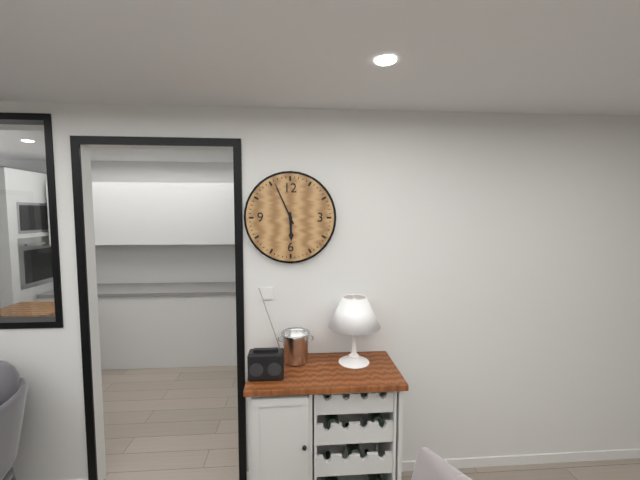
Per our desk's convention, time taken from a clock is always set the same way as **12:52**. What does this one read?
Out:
**5:56**
